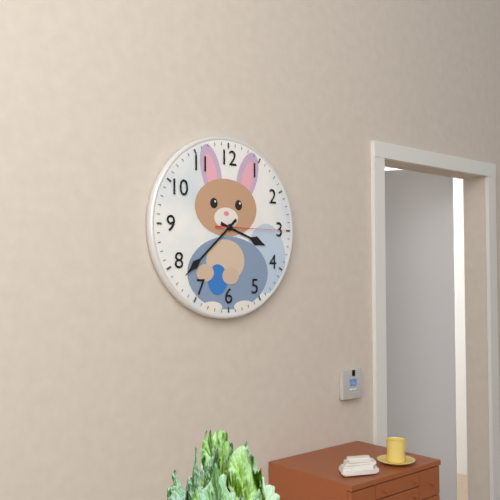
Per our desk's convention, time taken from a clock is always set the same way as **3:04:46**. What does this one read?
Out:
**3:38:15**
